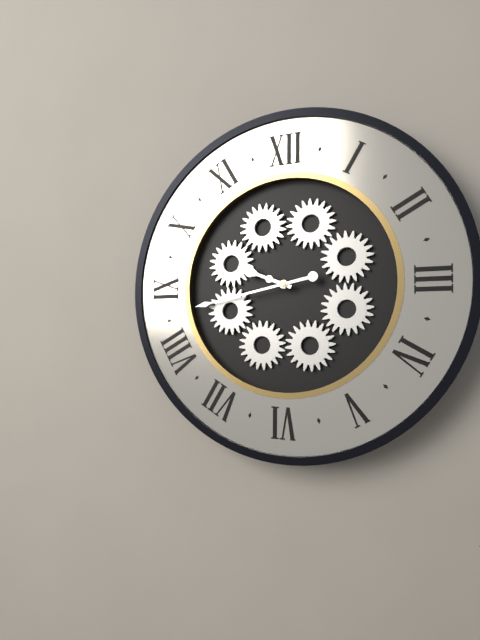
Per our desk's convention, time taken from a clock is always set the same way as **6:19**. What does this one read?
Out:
**9:43**
